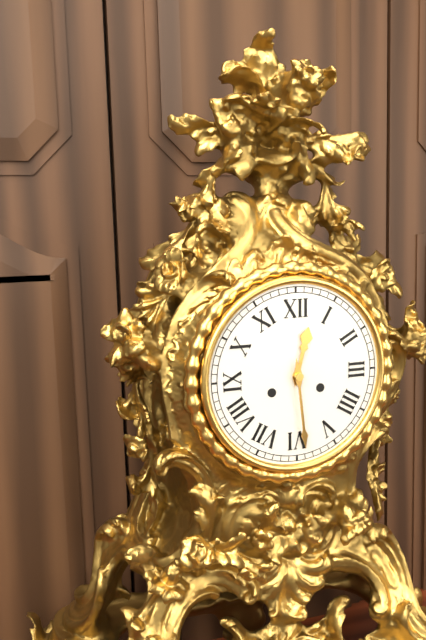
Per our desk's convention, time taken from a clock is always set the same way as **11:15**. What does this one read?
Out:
**12:29**
